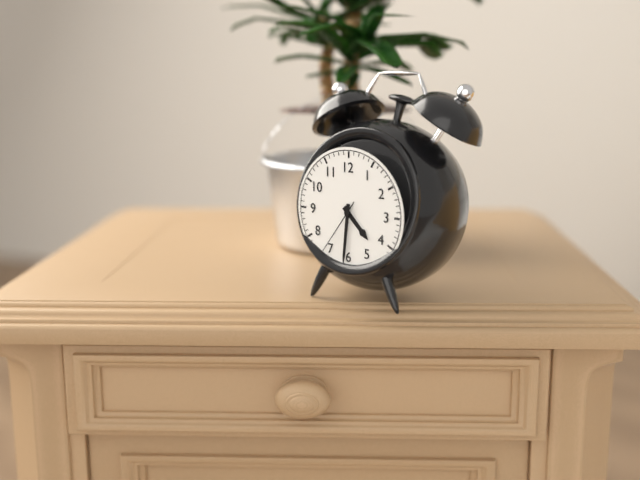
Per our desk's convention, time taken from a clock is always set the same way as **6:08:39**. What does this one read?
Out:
**4:31:36**
